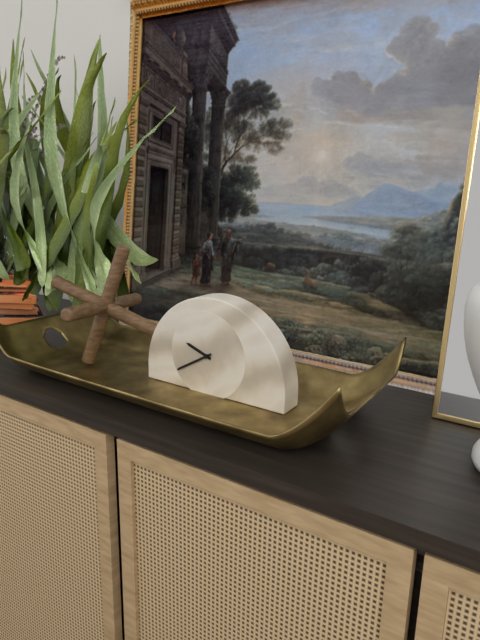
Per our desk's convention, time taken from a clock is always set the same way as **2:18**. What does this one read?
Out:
**9:40**
